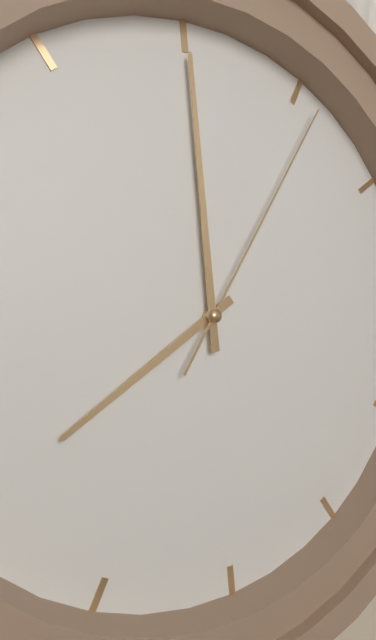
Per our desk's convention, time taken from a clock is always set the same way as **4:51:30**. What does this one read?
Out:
**8:00:06**
